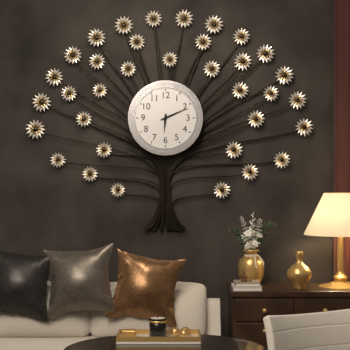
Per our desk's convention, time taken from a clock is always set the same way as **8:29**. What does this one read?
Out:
**6:11**
